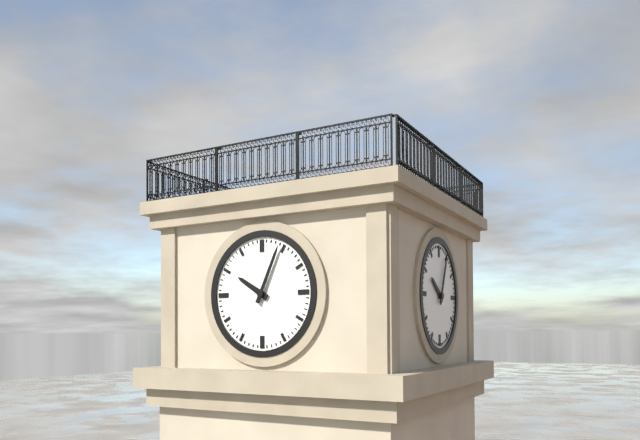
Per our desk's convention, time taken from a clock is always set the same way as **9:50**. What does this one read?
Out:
**10:04**
